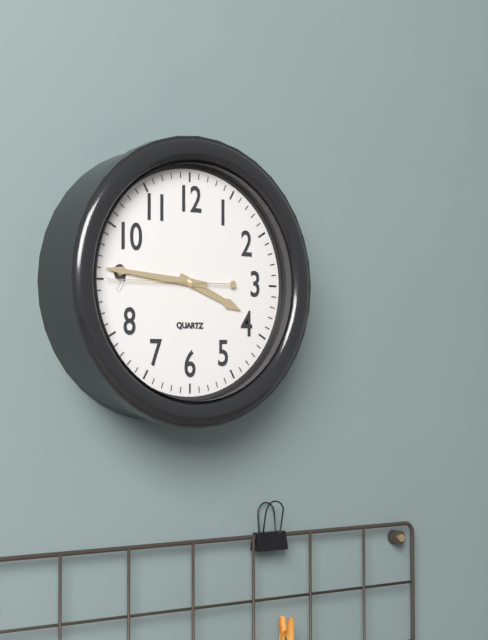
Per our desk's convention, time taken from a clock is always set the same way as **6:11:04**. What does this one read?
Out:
**3:46:45**
